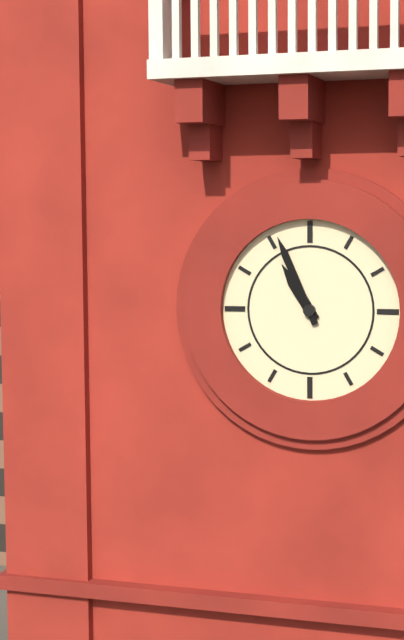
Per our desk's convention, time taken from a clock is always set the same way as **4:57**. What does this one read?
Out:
**10:56**
